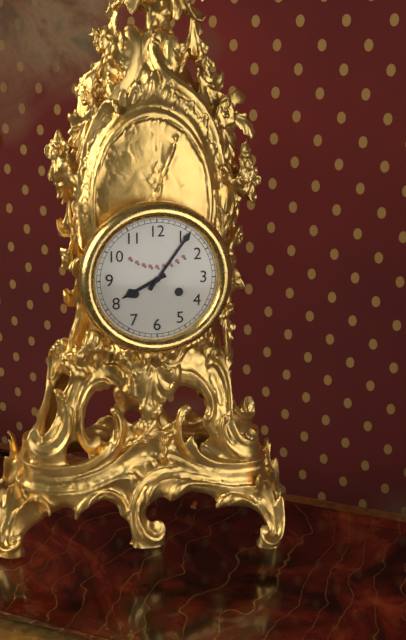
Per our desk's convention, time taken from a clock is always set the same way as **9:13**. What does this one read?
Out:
**8:06**
